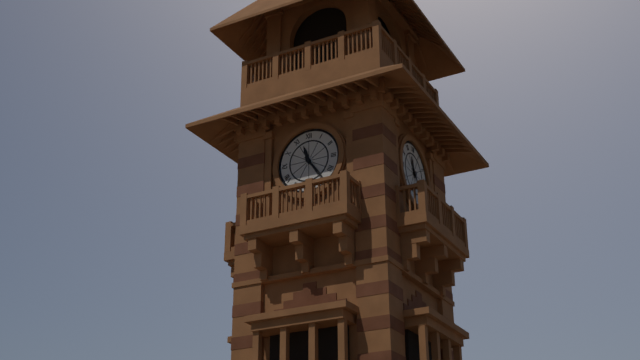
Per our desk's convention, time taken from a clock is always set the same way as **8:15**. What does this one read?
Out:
**11:24**
